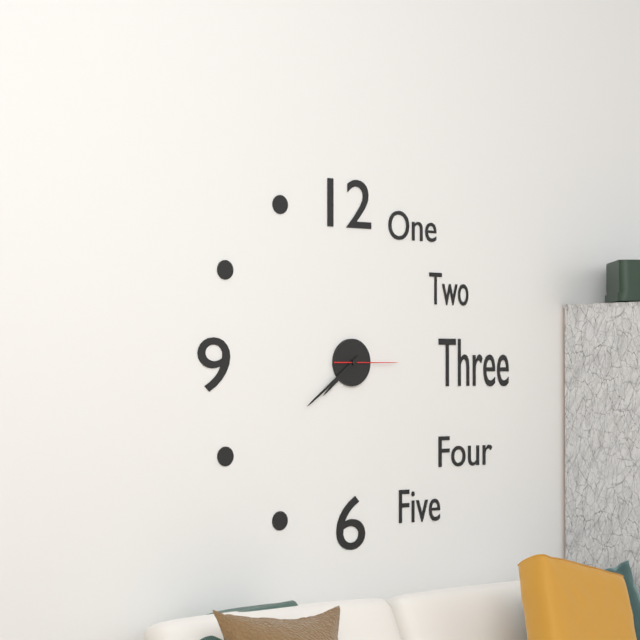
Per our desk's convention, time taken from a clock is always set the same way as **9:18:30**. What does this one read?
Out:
**7:39:15**
